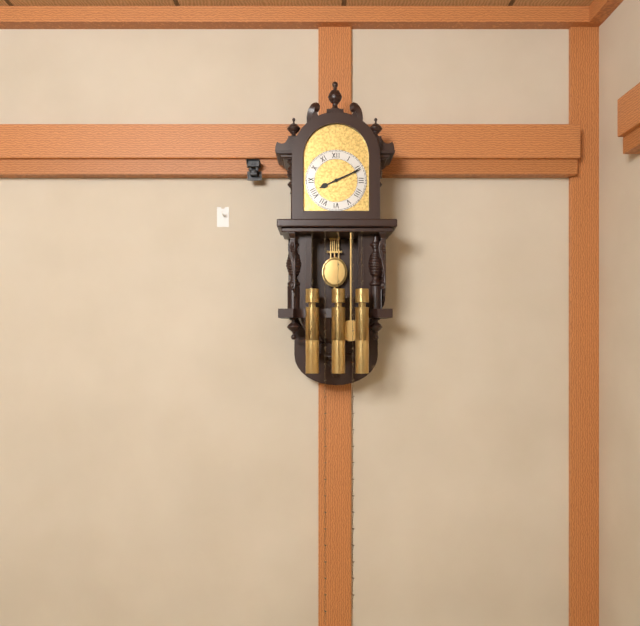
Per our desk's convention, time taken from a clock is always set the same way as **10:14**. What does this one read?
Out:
**8:11**
